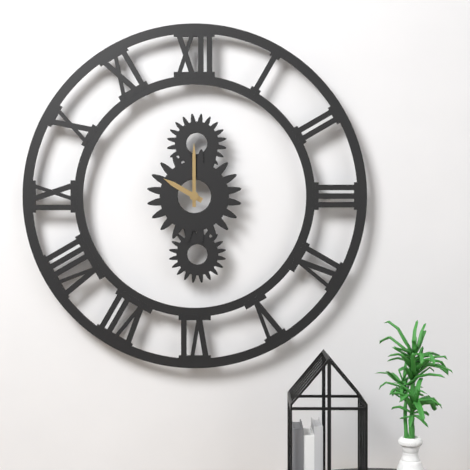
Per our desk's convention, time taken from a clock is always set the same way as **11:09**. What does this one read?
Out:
**10:00**
